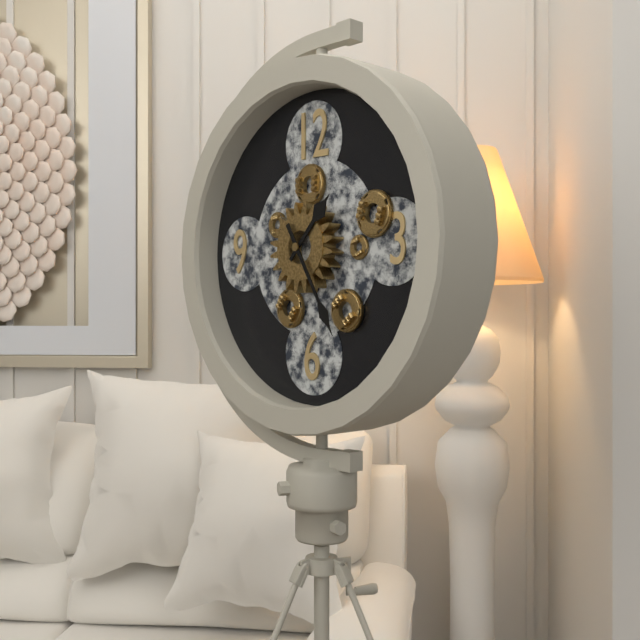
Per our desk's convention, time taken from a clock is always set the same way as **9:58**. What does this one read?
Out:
**1:25**
